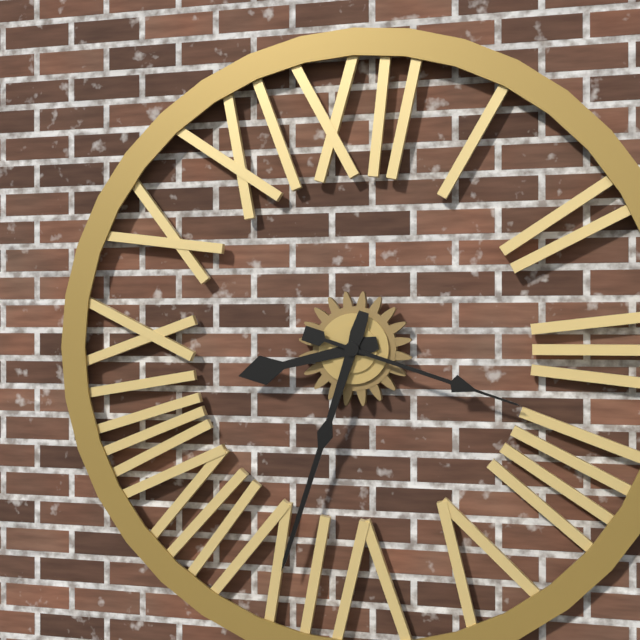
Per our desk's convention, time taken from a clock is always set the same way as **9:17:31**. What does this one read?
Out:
**8:33:18**
